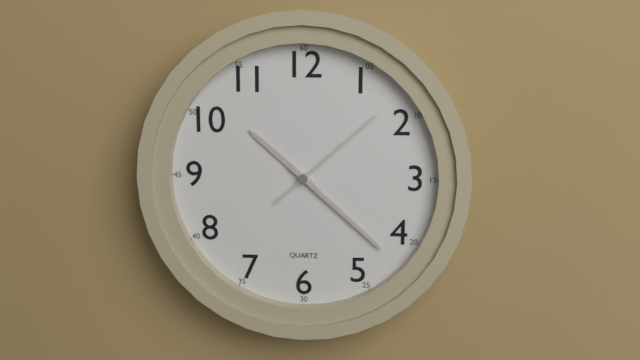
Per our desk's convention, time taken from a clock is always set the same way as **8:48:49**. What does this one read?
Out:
**10:22:08**
